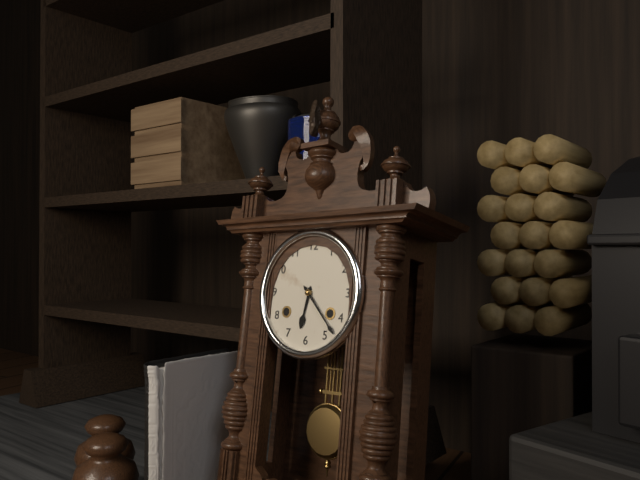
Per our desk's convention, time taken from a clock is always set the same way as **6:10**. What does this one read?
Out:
**6:23**
